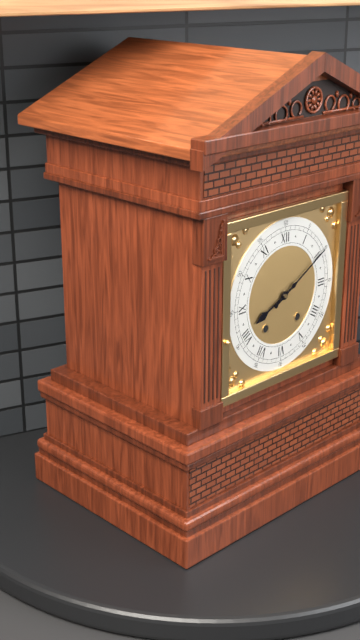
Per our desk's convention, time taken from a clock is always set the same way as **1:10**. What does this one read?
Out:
**8:10**
